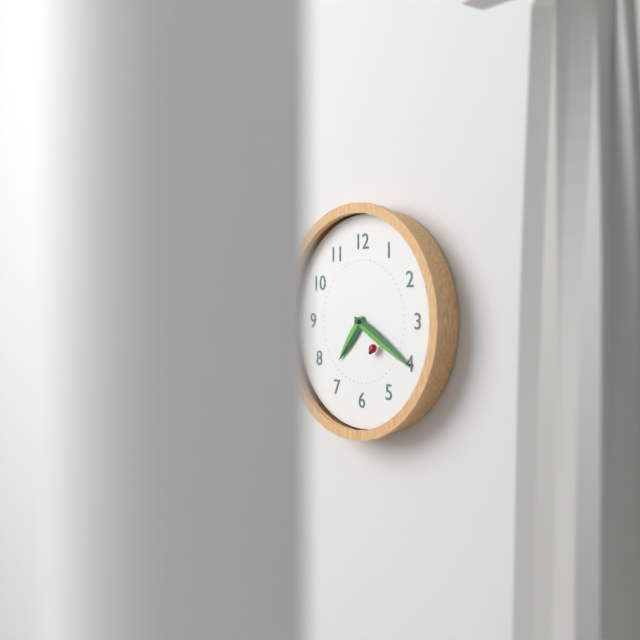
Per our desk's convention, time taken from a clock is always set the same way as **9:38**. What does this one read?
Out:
**7:20**
